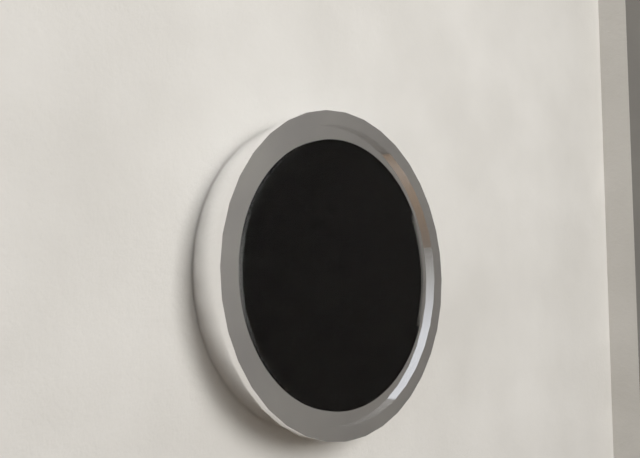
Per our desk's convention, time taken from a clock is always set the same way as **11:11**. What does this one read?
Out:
**7:43**
